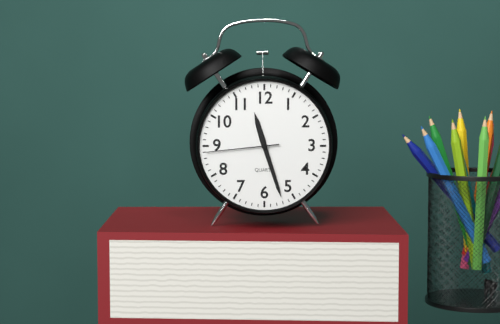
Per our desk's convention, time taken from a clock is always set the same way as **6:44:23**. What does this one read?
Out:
**11:27:44**
